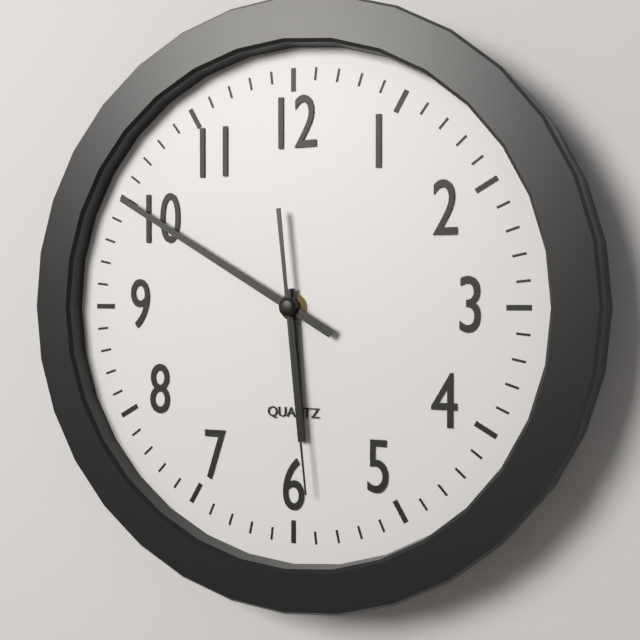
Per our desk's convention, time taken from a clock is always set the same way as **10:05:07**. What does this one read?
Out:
**5:50:29**
